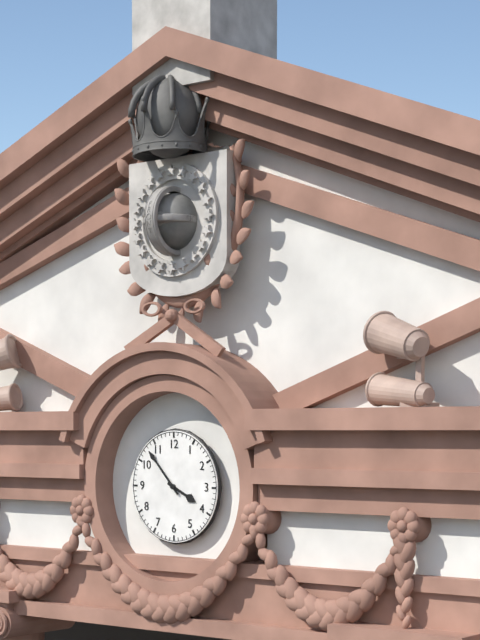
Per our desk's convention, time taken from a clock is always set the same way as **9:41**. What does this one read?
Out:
**3:53**
